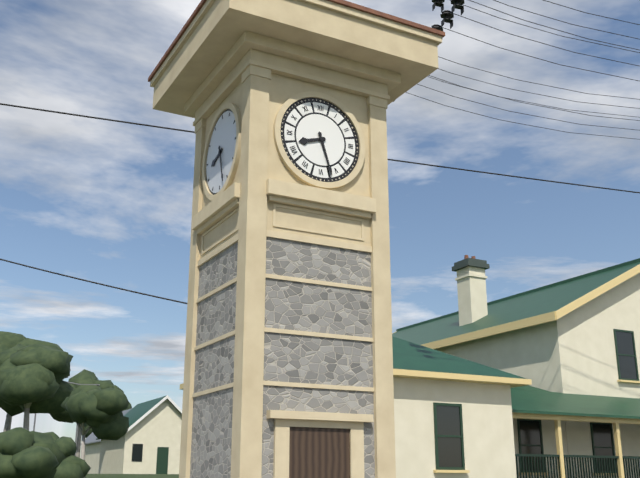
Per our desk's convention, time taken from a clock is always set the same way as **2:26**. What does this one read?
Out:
**8:27**
